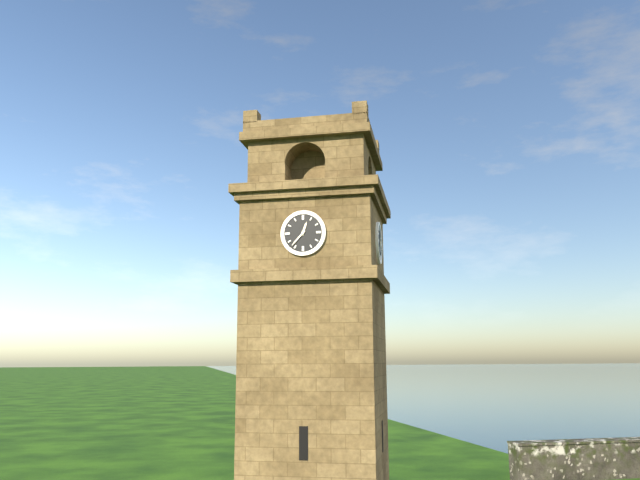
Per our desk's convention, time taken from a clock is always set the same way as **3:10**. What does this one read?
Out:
**12:37**
